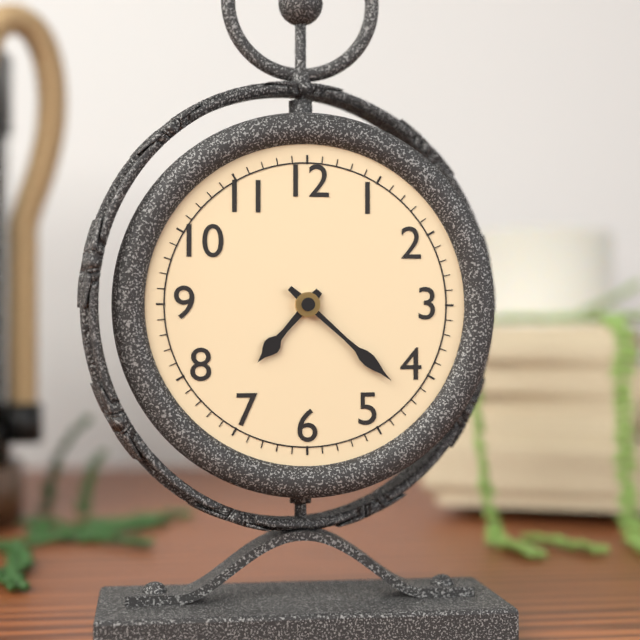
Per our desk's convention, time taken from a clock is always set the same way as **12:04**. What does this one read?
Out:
**7:22**
